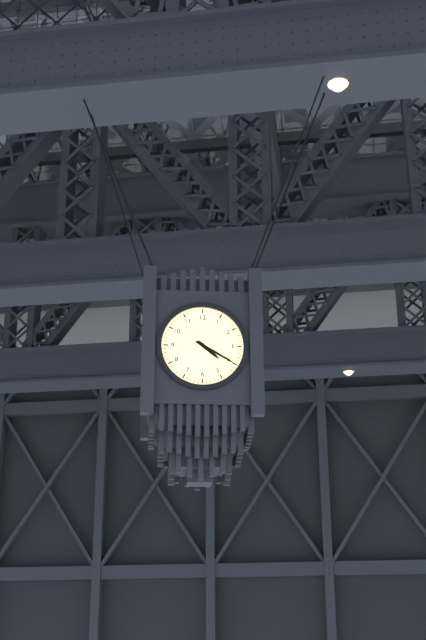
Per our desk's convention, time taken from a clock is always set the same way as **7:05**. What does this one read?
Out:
**4:20**
